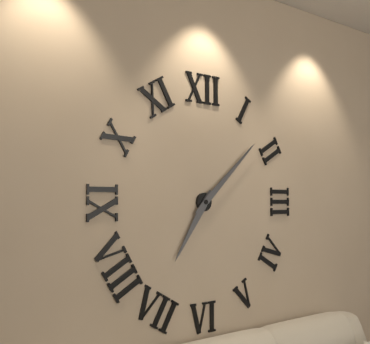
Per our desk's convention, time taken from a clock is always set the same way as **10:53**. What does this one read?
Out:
**7:08**
